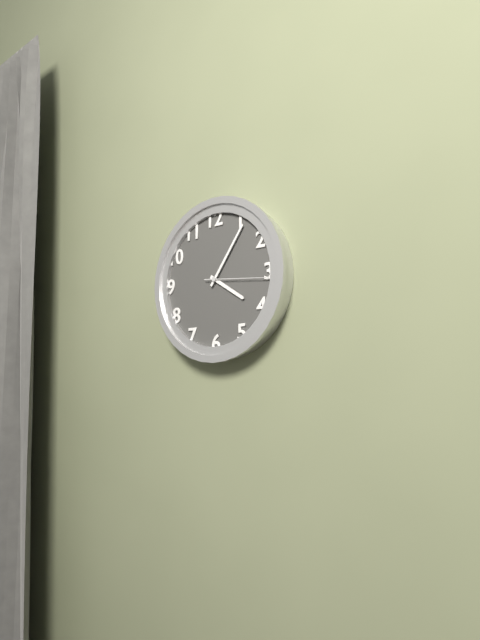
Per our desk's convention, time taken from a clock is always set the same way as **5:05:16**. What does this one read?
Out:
**4:06:16**
